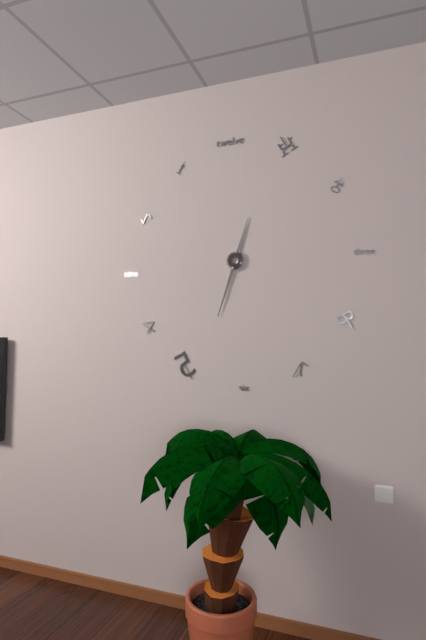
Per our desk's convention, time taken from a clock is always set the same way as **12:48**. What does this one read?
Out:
**12:33**
